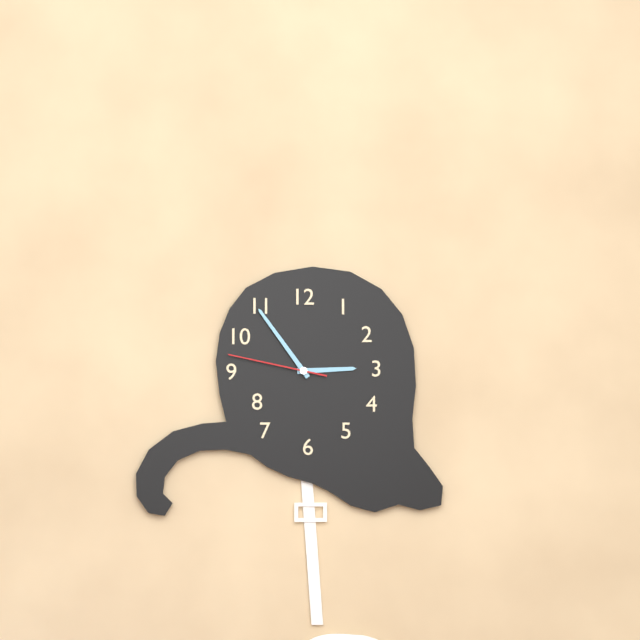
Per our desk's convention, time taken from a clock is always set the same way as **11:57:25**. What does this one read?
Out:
**2:54:47**
